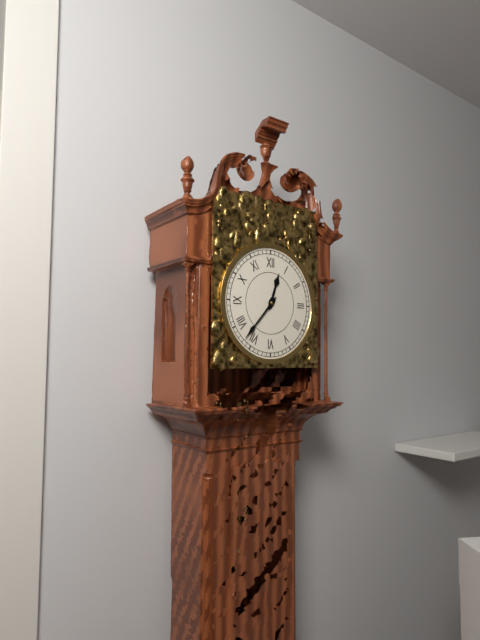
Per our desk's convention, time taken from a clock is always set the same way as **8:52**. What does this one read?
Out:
**12:37**
